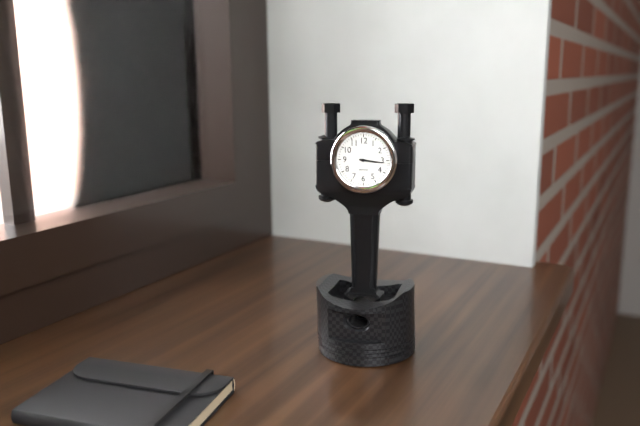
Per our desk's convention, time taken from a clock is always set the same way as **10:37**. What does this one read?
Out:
**3:16**
